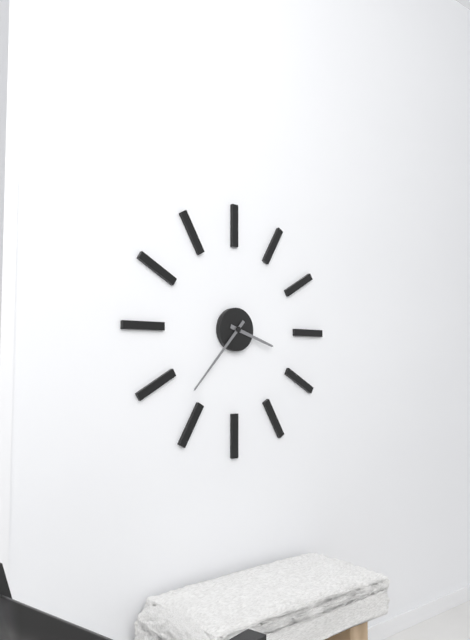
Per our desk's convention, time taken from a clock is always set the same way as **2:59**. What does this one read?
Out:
**3:37**
